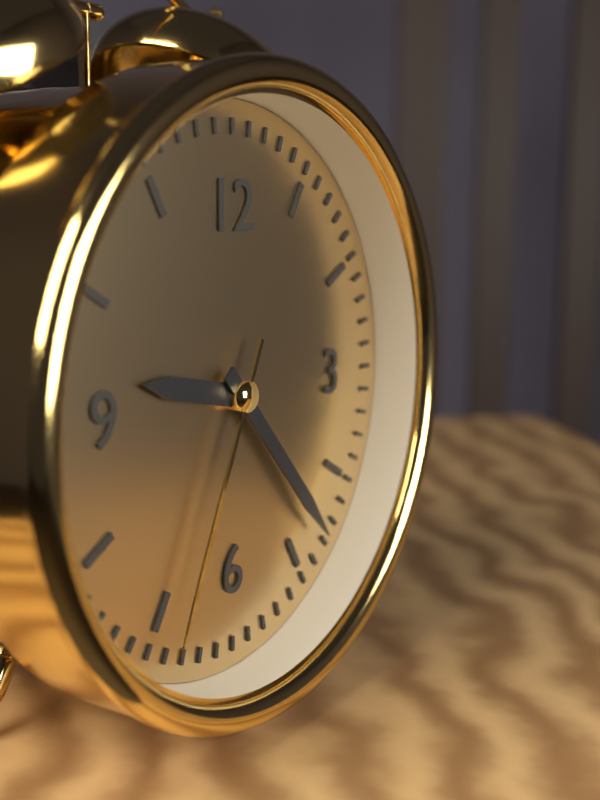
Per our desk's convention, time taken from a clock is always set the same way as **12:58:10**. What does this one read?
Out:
**9:23:34**
